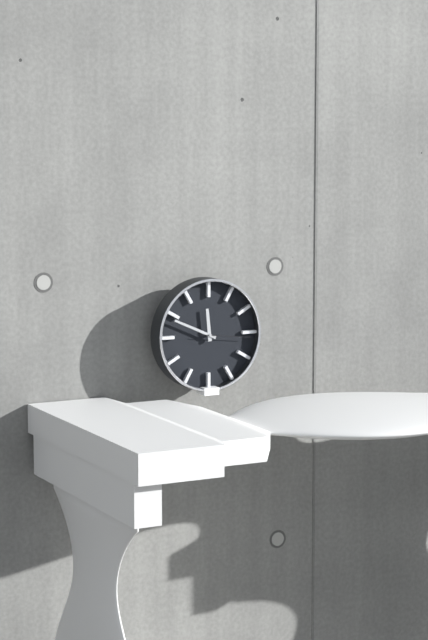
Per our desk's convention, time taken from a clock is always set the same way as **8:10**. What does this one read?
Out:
**11:49**
